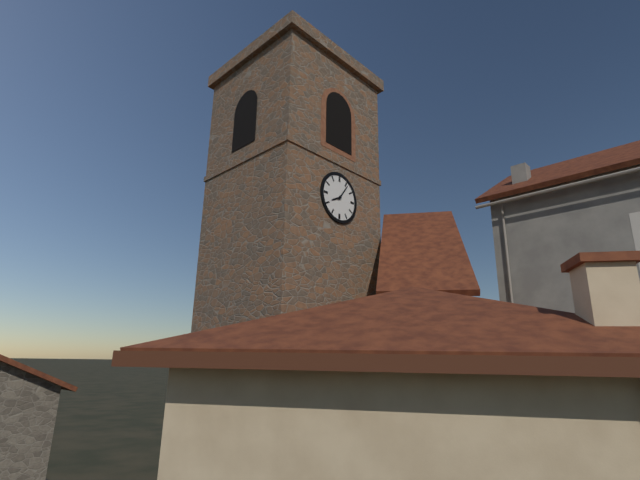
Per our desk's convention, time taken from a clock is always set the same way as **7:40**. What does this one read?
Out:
**8:06**
